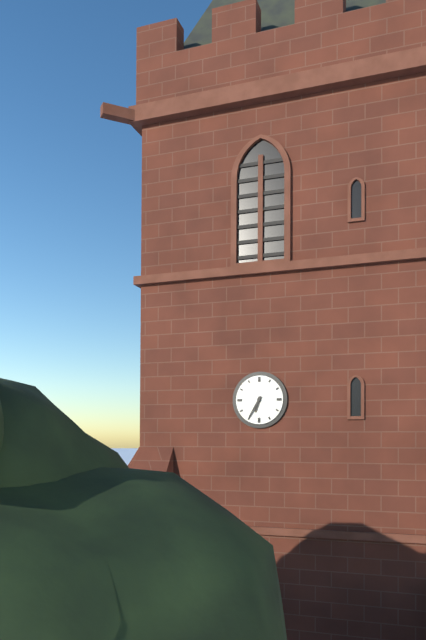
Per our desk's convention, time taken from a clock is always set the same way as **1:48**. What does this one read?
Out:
**6:35**
